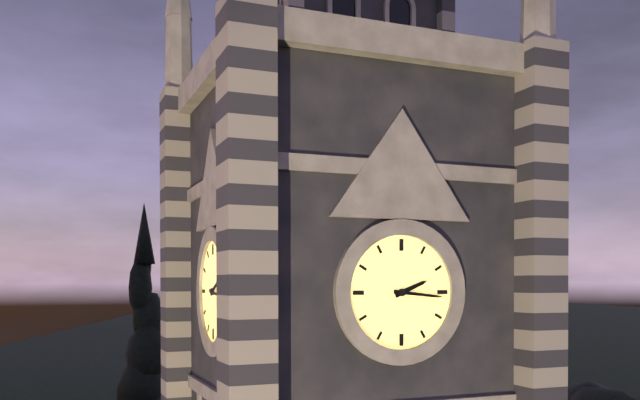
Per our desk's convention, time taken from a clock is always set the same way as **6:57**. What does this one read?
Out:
**2:16**
